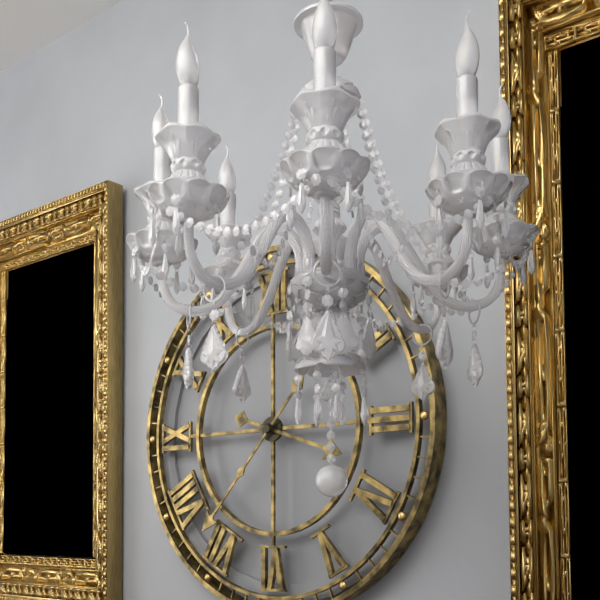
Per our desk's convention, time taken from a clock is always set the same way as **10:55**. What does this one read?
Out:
**3:37**
